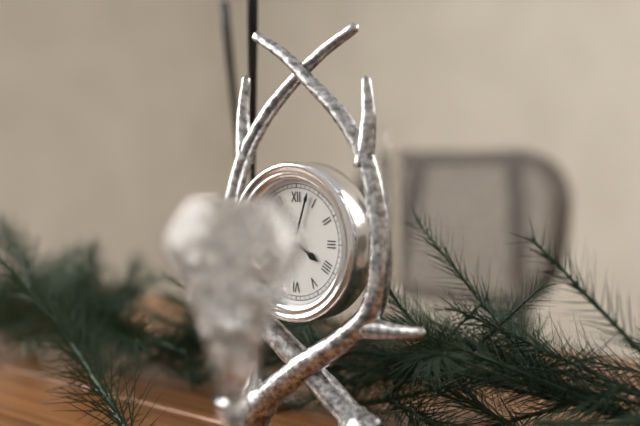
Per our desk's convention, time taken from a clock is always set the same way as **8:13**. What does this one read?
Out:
**4:03**
